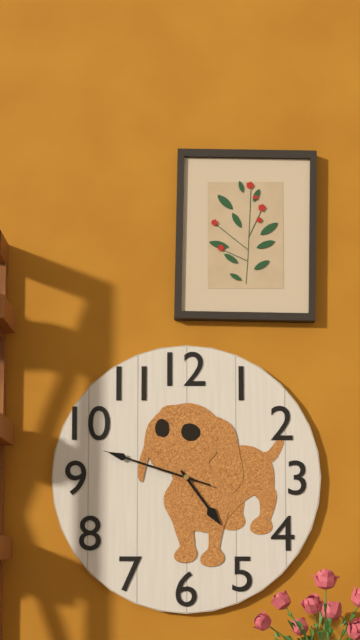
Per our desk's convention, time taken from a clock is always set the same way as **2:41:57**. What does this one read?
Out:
**4:48:48**
